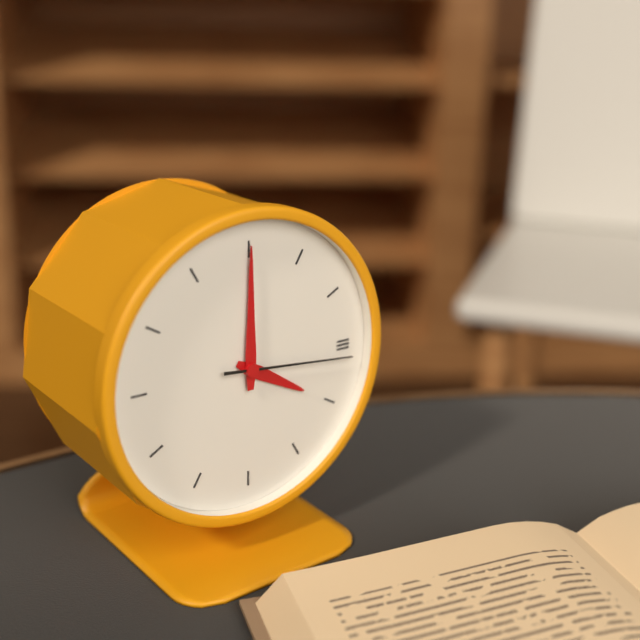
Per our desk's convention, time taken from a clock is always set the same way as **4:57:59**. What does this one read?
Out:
**4:00:16**
